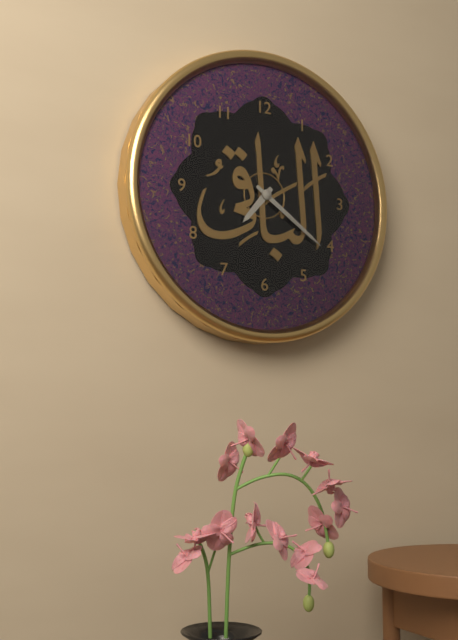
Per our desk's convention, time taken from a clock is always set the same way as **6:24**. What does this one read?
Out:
**7:21**
